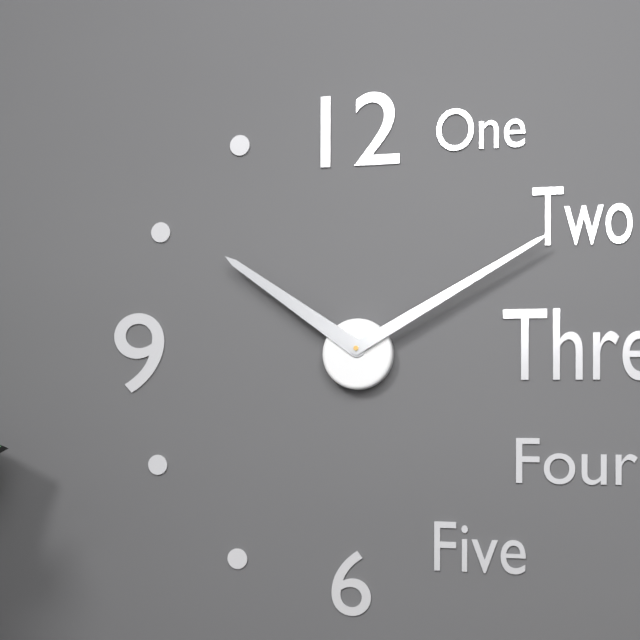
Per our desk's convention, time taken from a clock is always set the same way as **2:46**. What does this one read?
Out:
**10:10**
